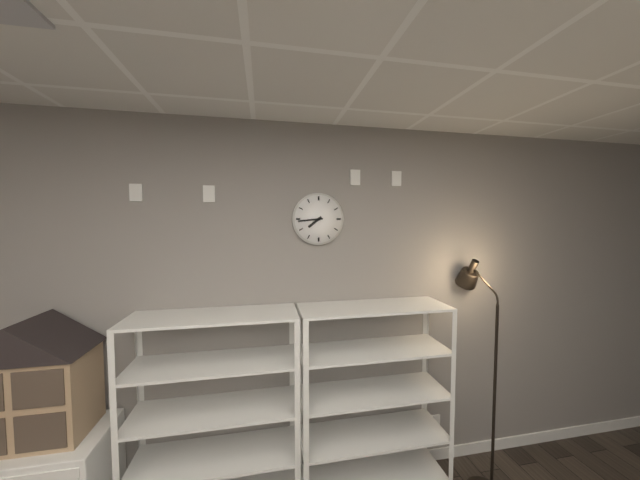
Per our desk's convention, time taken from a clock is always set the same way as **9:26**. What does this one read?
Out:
**7:44**
